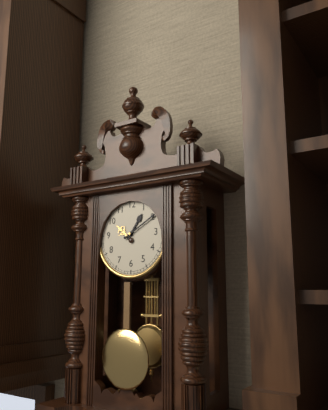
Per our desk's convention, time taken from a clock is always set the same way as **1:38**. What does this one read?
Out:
**1:10**
